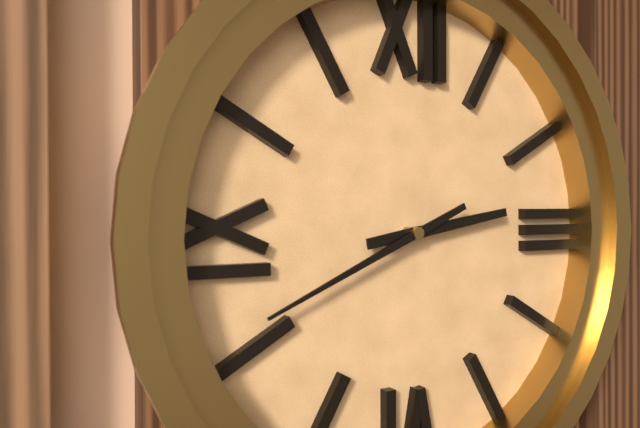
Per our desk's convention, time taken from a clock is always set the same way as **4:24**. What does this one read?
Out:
**2:41**
